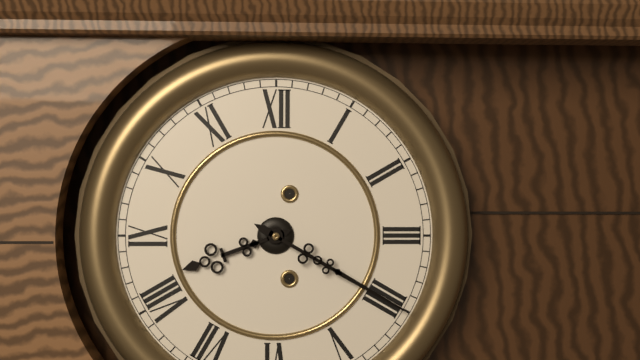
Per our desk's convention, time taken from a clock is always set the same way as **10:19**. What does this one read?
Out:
**8:20**
